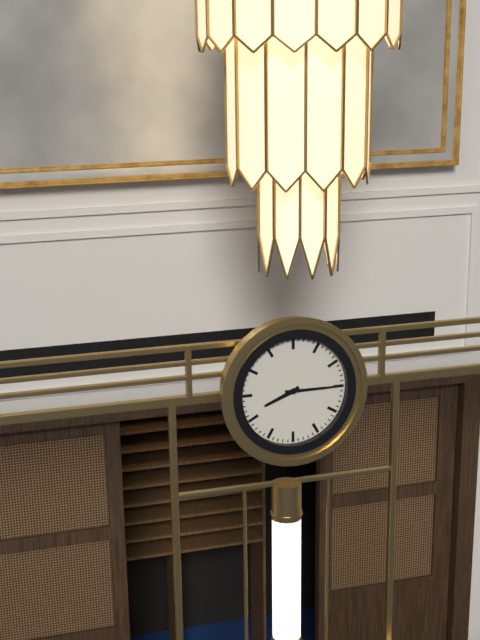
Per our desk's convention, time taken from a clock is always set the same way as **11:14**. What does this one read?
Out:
**8:15**
